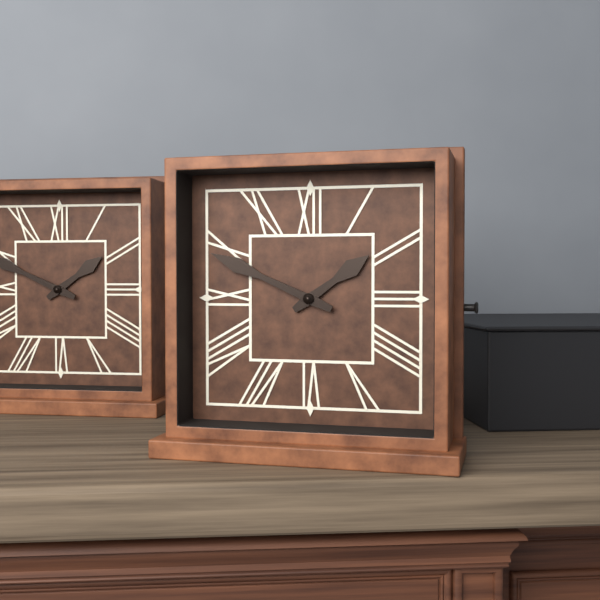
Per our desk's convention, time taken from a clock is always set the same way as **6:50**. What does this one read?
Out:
**1:49**
